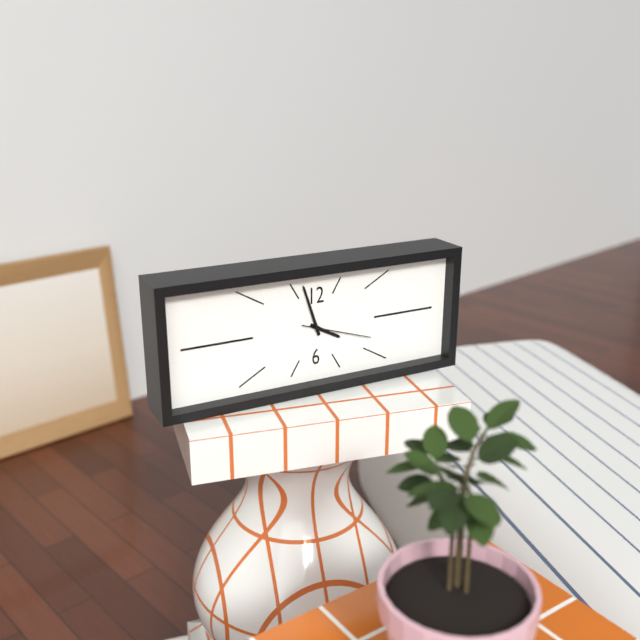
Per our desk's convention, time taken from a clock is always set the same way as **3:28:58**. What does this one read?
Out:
**3:57:18**
